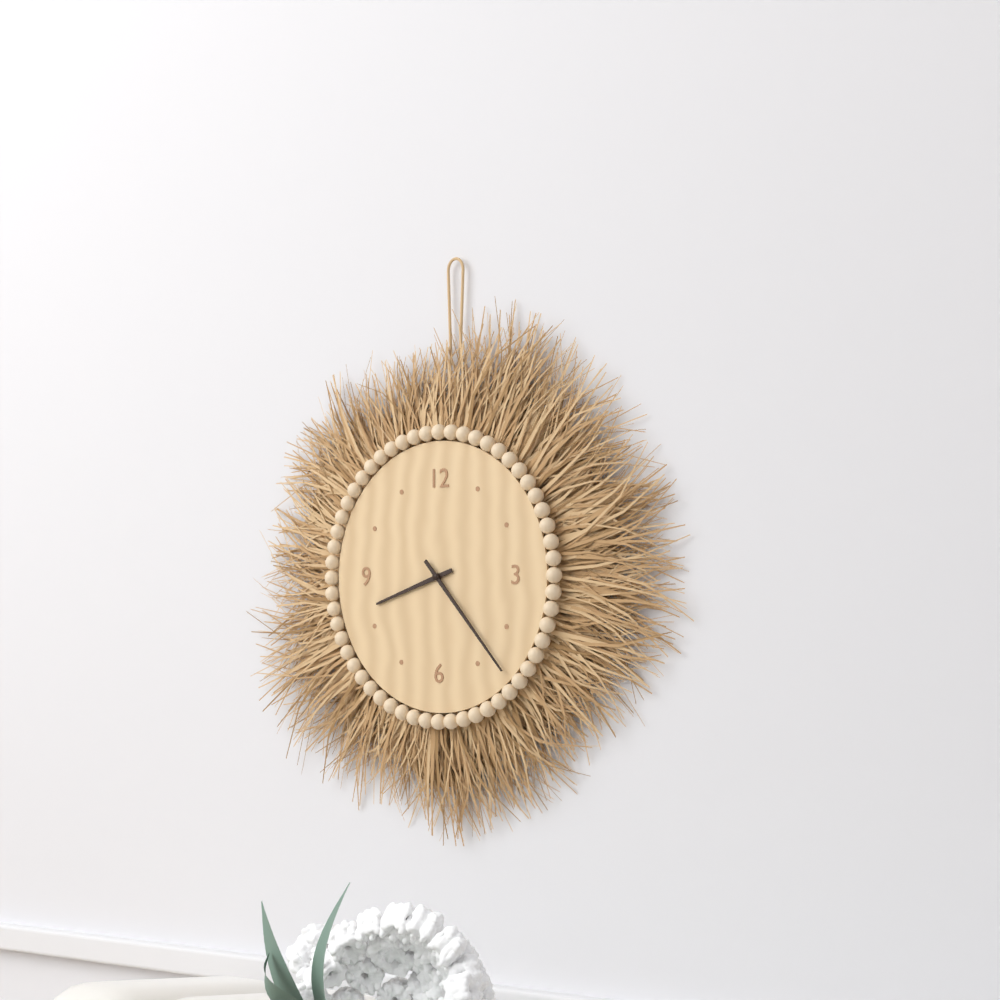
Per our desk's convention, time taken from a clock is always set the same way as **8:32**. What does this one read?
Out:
**8:23**
